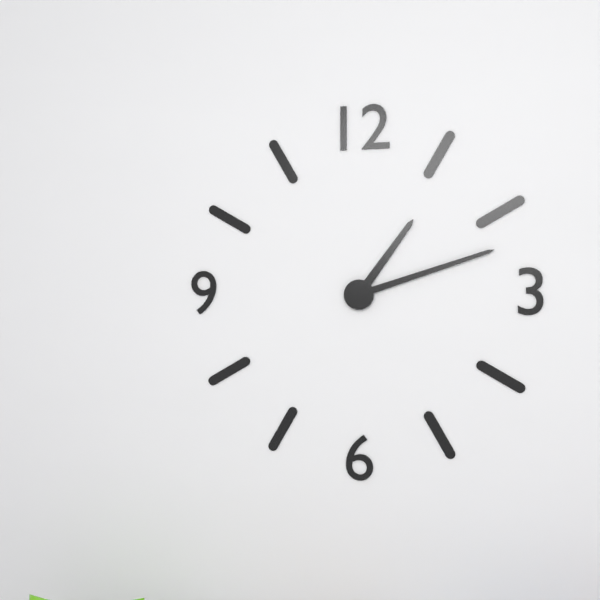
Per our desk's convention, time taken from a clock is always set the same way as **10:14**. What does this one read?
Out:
**1:12**
